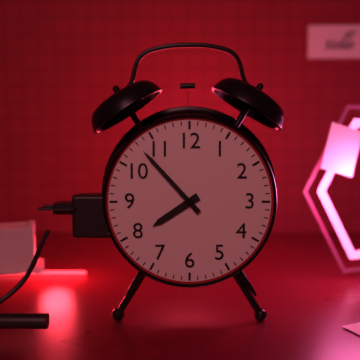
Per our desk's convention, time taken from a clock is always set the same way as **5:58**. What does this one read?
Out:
**7:53**
